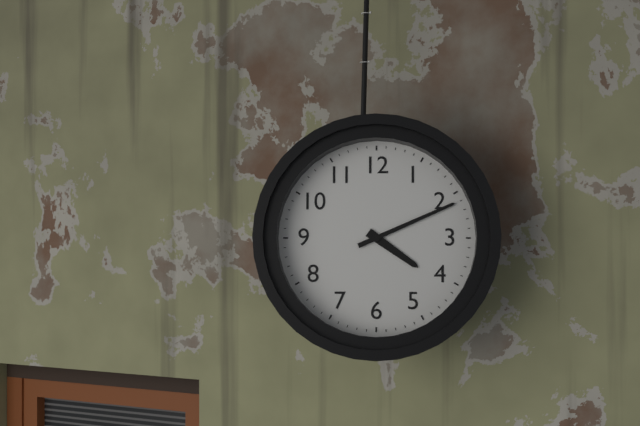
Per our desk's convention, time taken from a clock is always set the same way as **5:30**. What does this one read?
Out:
**4:11**
